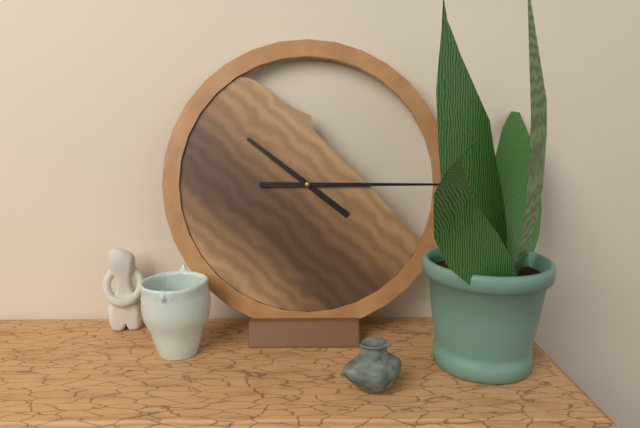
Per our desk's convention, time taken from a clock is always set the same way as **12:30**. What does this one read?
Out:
**10:15**
